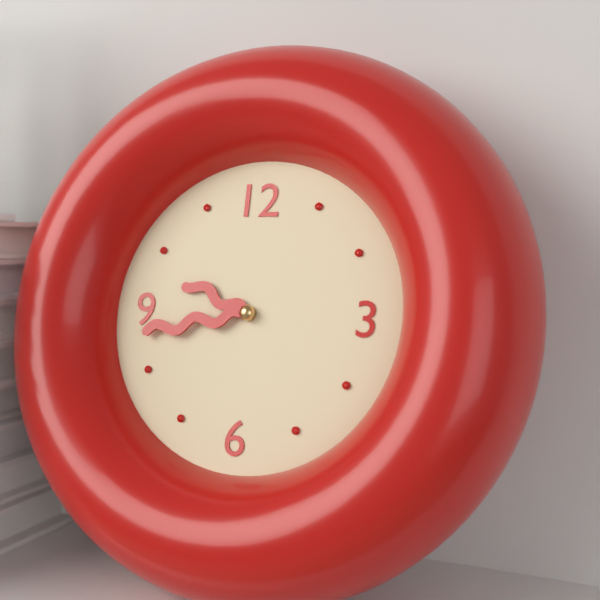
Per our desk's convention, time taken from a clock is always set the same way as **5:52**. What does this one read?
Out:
**9:43**
